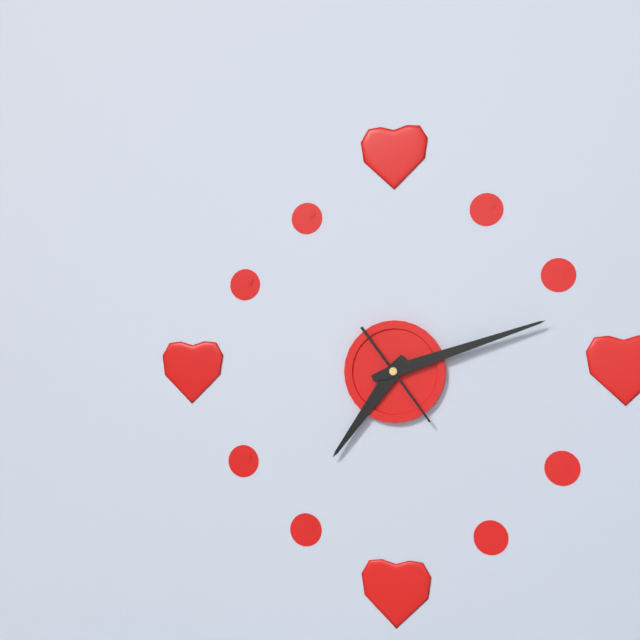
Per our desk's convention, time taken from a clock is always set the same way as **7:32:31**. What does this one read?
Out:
**7:12:24**
